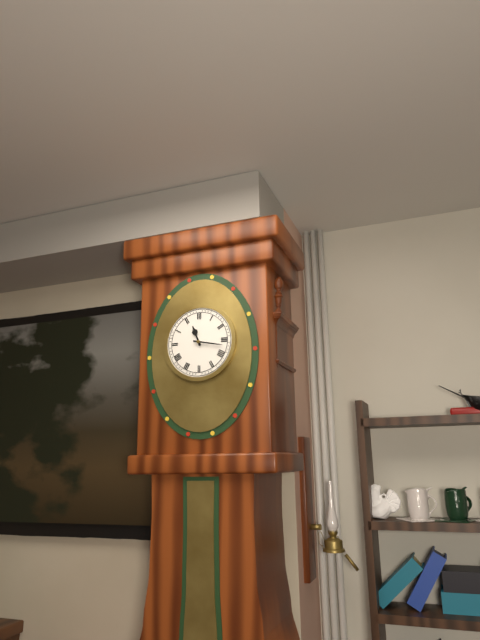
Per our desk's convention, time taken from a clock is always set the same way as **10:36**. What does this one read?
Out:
**11:17**
